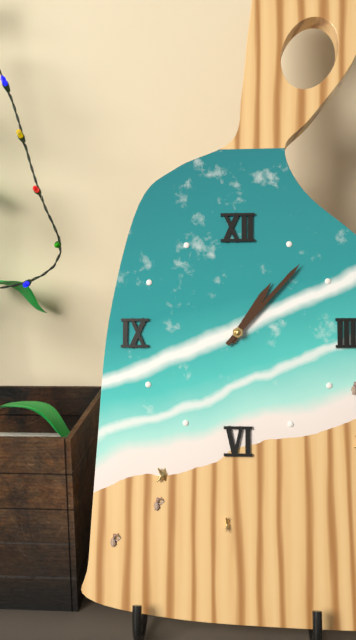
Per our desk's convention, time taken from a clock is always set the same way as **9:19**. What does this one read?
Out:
**1:07**
